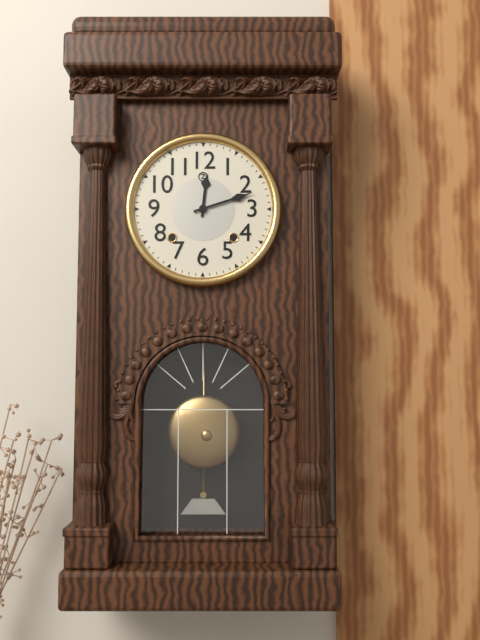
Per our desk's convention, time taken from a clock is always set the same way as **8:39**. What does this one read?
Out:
**12:12**
